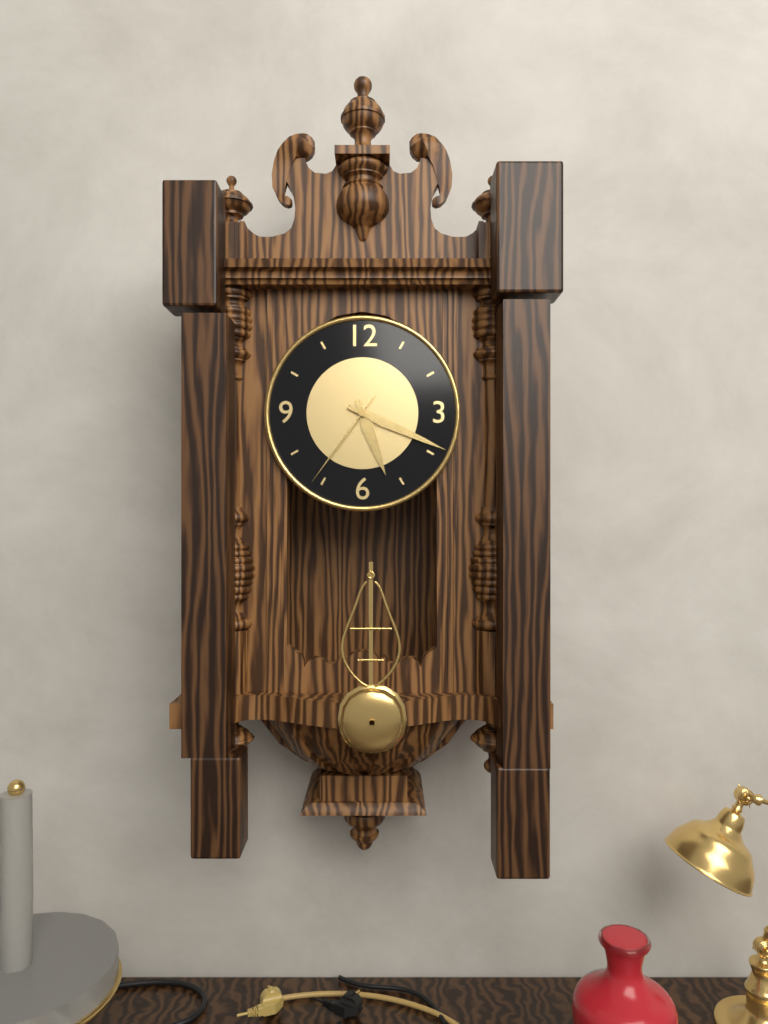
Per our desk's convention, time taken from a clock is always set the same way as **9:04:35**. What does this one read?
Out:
**5:19:36**
